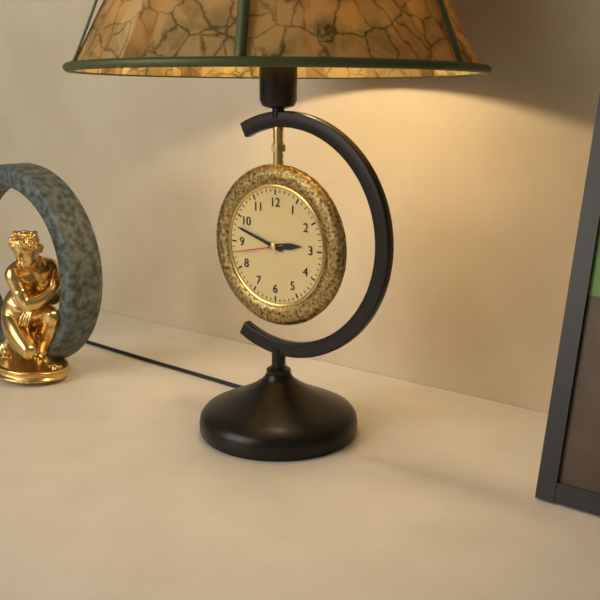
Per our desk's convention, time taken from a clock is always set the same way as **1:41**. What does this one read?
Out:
**2:48**
